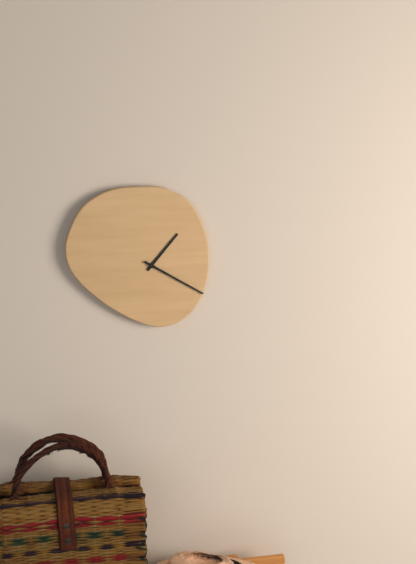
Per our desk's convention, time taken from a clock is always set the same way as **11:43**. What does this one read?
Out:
**1:20**
